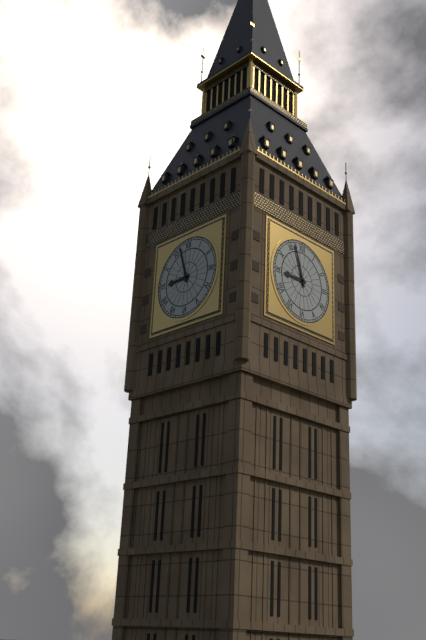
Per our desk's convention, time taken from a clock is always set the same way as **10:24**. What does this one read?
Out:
**8:57**
